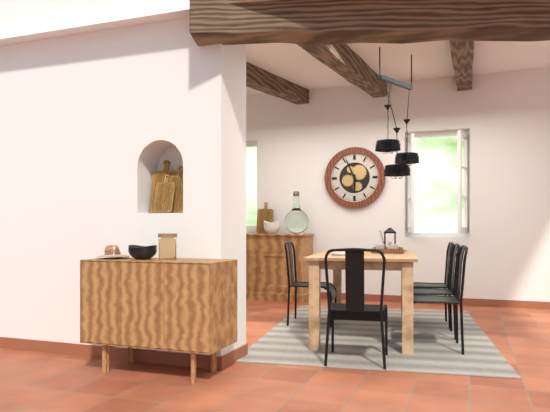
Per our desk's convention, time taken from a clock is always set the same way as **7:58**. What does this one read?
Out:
**5:56**
